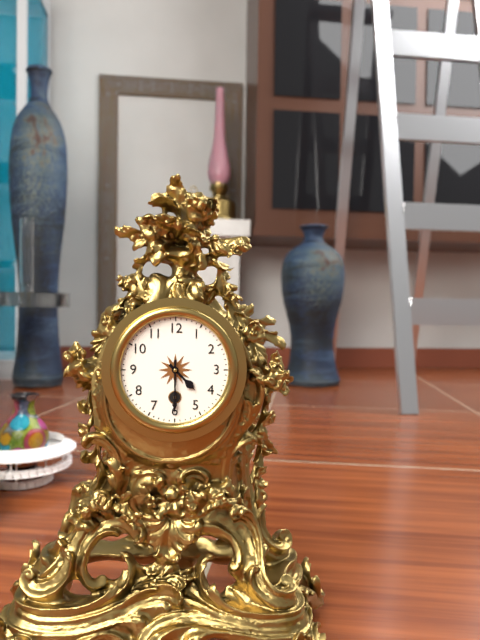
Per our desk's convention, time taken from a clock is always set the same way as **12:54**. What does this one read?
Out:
**4:30**
